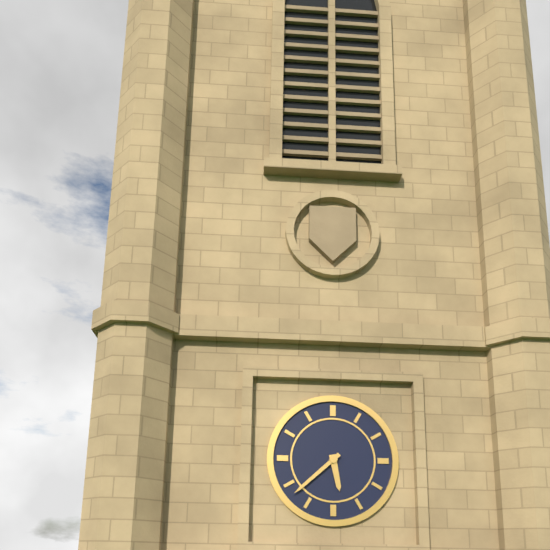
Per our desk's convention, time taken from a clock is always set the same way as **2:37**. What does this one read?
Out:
**5:38**
